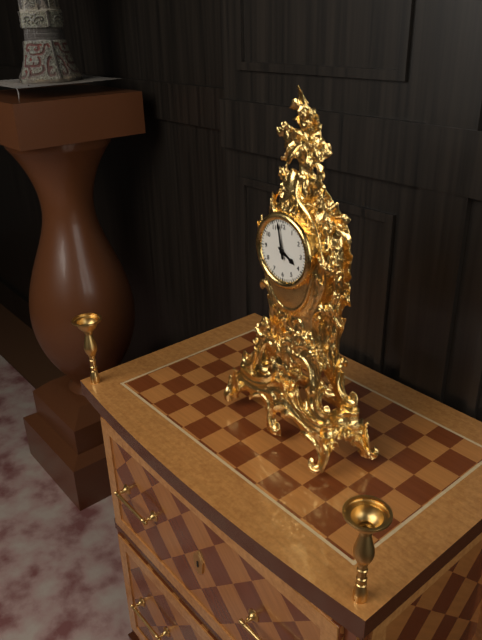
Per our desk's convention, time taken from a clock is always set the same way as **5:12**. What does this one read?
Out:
**3:58**
